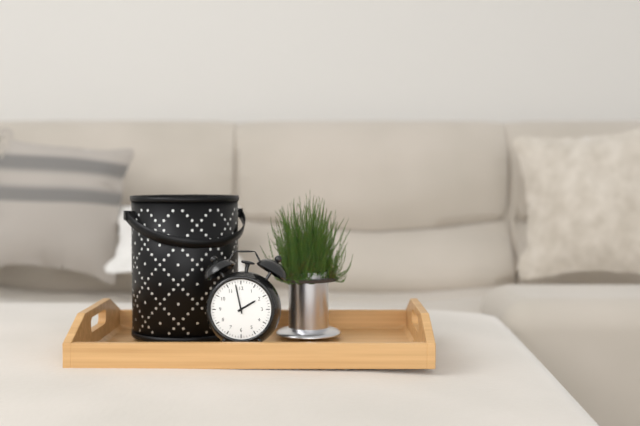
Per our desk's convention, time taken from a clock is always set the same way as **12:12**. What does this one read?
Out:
**1:58**
